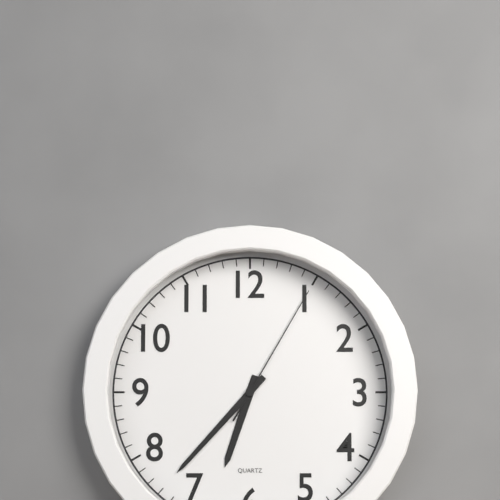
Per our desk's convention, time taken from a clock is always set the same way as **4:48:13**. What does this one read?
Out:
**6:37:05**
